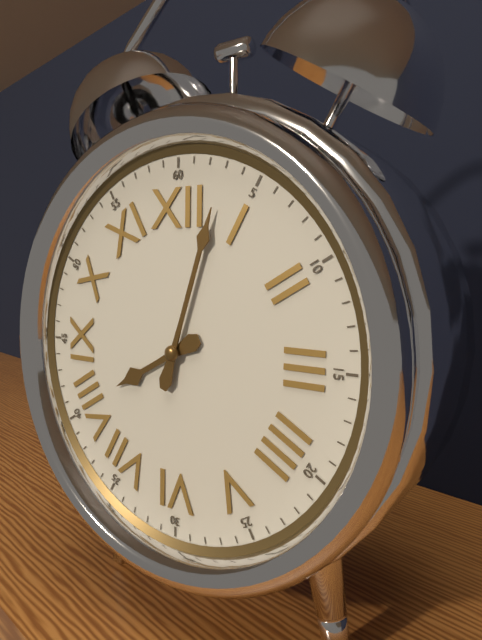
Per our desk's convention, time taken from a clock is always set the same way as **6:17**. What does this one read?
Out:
**8:03**
